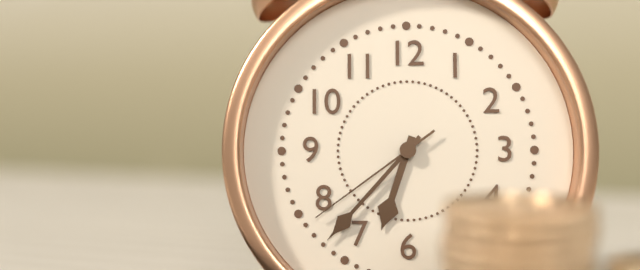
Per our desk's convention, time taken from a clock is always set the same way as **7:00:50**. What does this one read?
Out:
**6:37:39**
